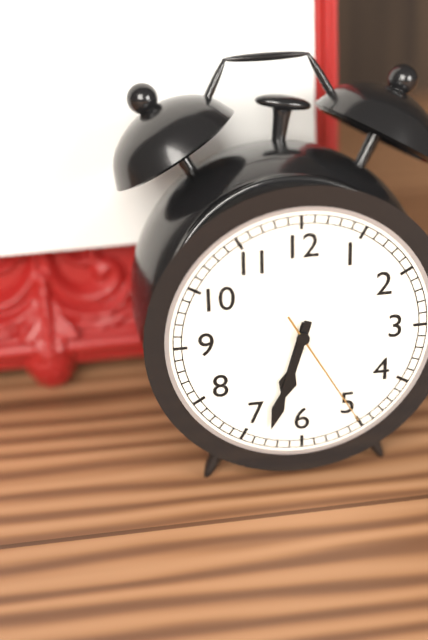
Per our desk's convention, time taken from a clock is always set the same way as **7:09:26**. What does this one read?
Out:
**6:33:25**
